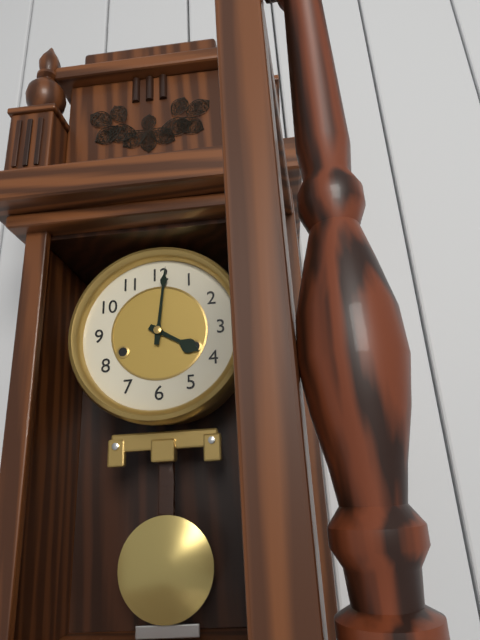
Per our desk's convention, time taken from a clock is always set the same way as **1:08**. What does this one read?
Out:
**4:01**
